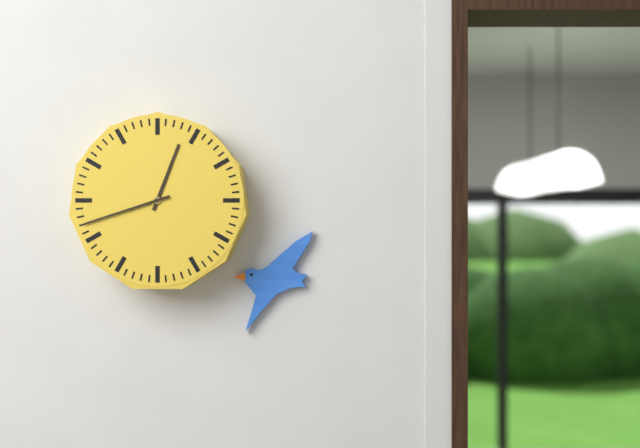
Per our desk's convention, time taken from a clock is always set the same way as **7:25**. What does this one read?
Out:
**12:42**
